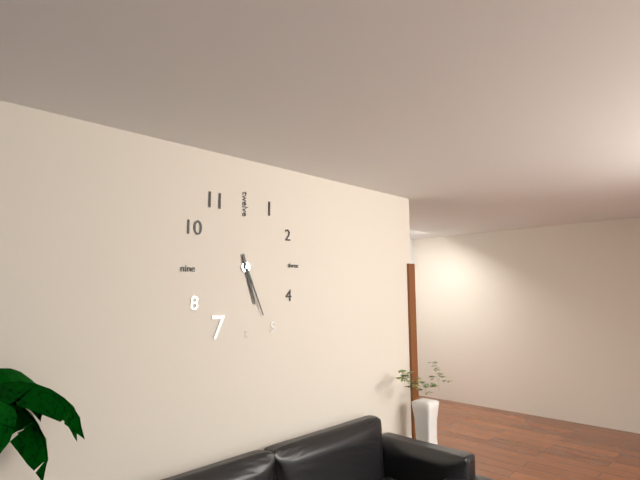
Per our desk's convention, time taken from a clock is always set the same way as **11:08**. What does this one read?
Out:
**5:26**
